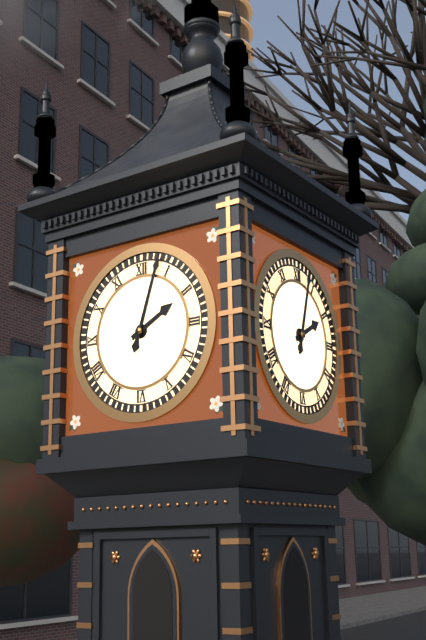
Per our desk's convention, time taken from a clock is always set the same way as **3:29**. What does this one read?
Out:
**2:03**
